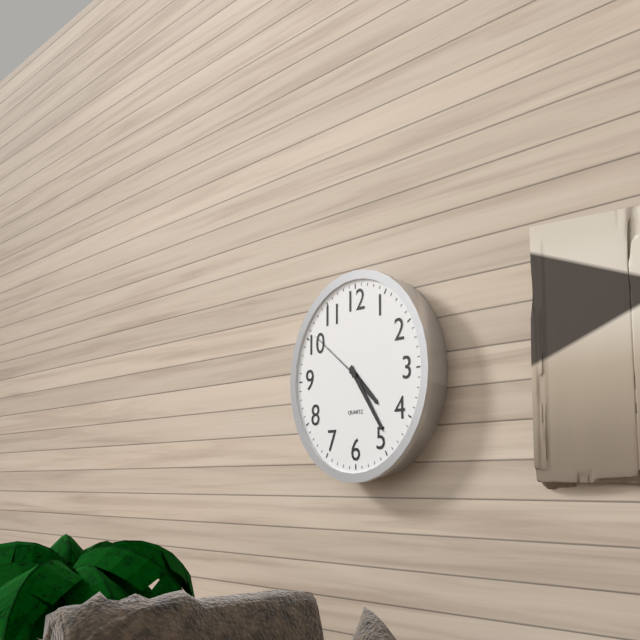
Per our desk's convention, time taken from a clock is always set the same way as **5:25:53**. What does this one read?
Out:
**4:24:51**
